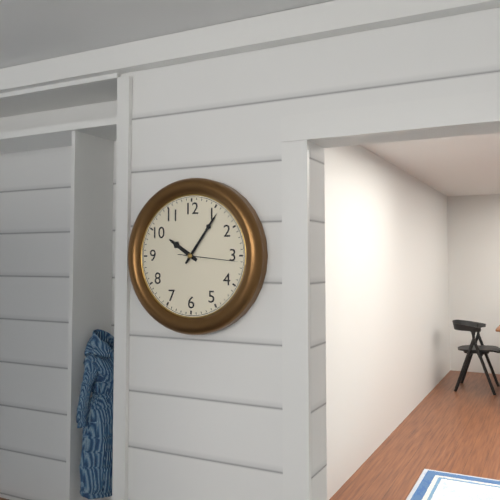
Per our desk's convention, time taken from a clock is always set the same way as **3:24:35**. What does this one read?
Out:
**10:06:16**
